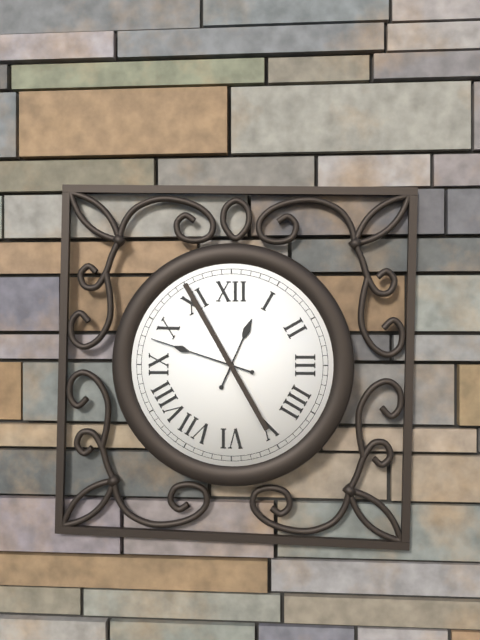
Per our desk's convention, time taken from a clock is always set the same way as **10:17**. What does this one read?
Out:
**12:48**
